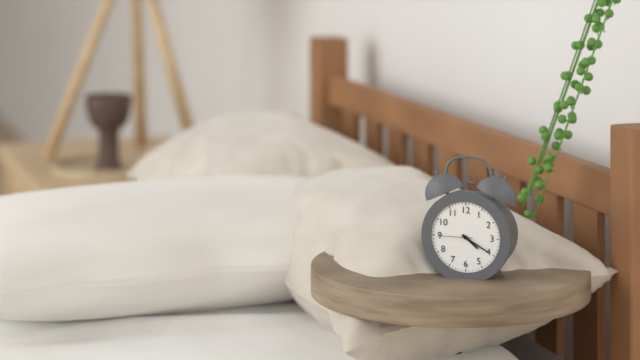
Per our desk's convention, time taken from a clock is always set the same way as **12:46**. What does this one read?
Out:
**4:20**
